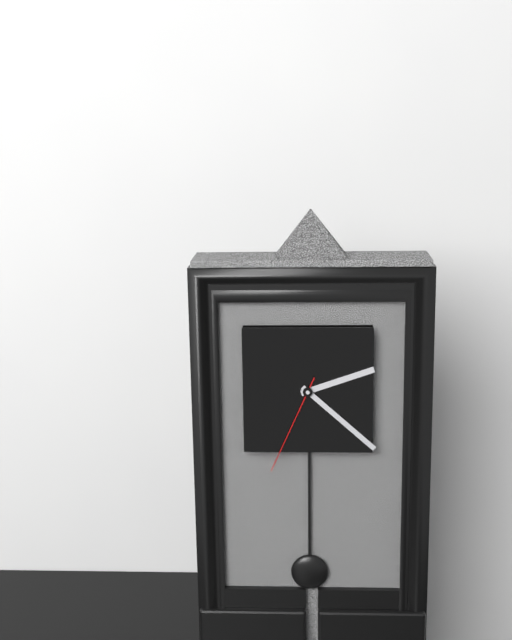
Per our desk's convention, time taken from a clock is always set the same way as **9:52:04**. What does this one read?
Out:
**2:22:34**
